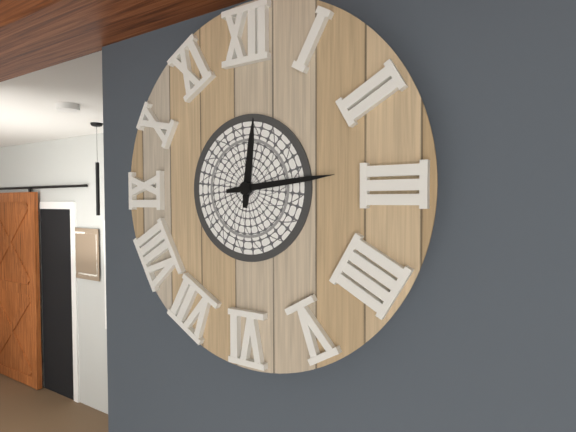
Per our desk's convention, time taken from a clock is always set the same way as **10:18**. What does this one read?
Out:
**12:14**
